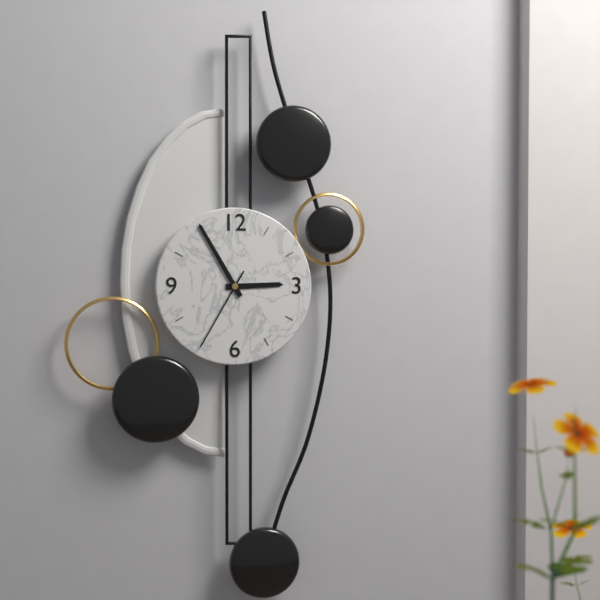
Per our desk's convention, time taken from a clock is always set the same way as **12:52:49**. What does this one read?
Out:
**2:55:35**
